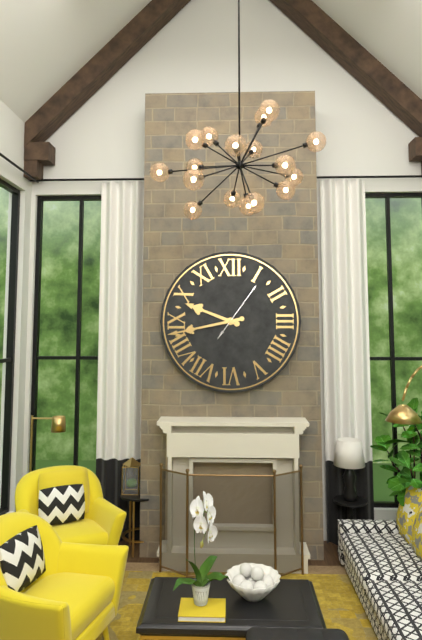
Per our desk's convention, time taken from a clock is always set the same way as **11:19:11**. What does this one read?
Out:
**9:43:06**
